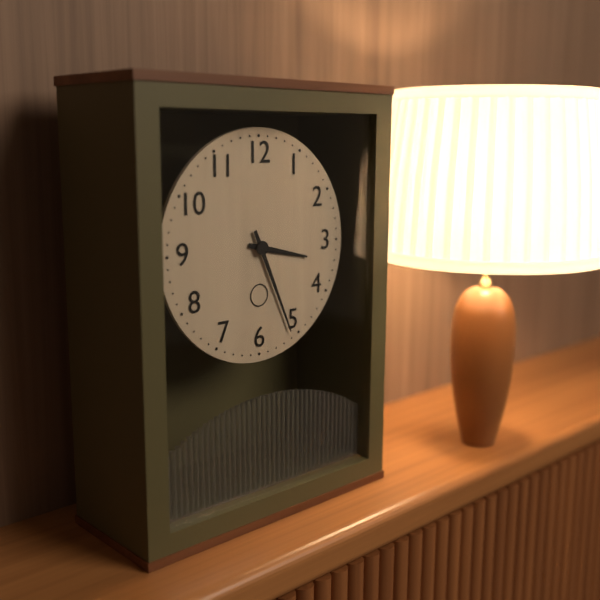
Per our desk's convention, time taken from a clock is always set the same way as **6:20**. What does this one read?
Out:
**3:26**
